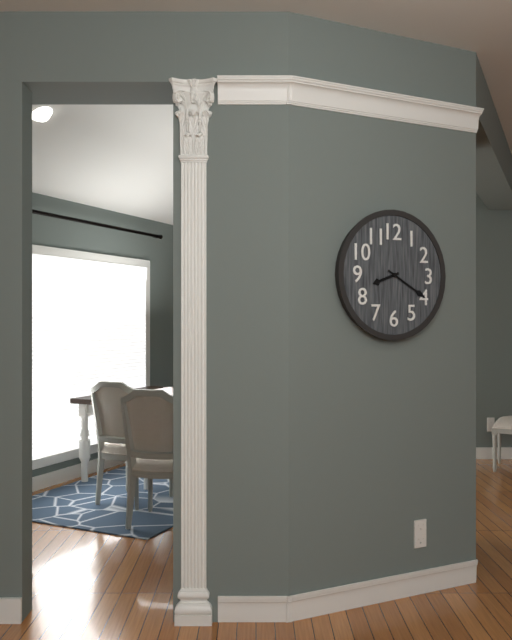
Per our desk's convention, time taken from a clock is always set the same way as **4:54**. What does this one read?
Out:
**8:20**
